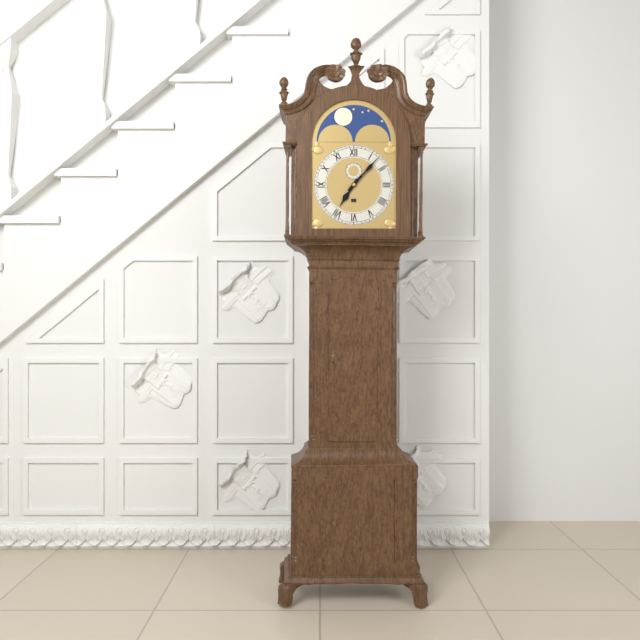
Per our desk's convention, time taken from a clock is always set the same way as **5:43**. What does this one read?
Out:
**7:07**
